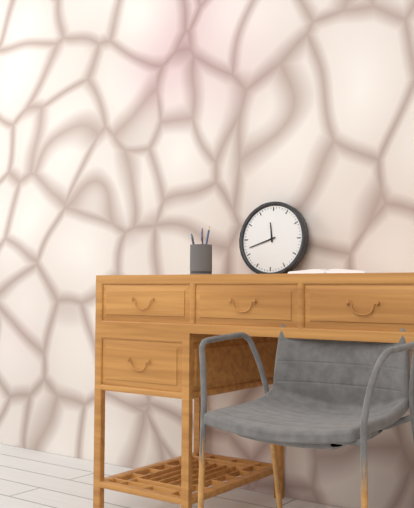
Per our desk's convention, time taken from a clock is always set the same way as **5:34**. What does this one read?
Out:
**11:42**
